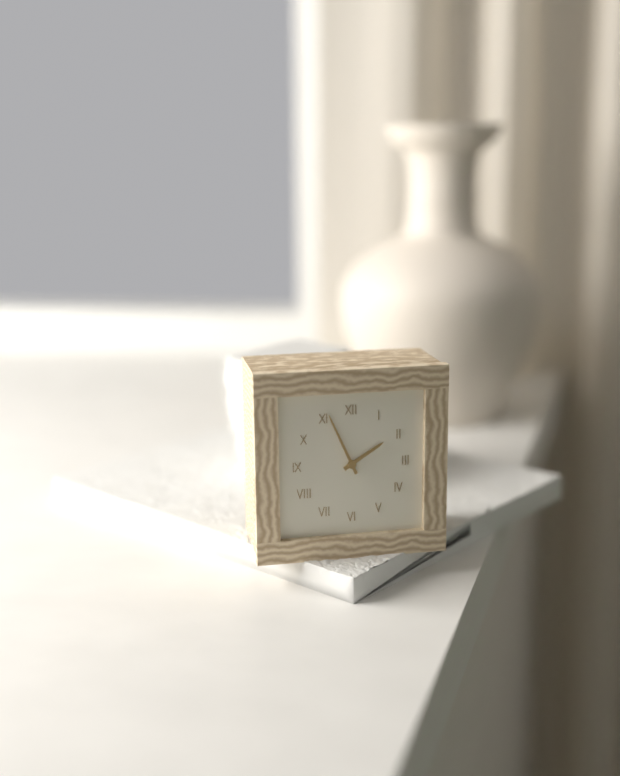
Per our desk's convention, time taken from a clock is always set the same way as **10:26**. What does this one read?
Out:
**1:56**
